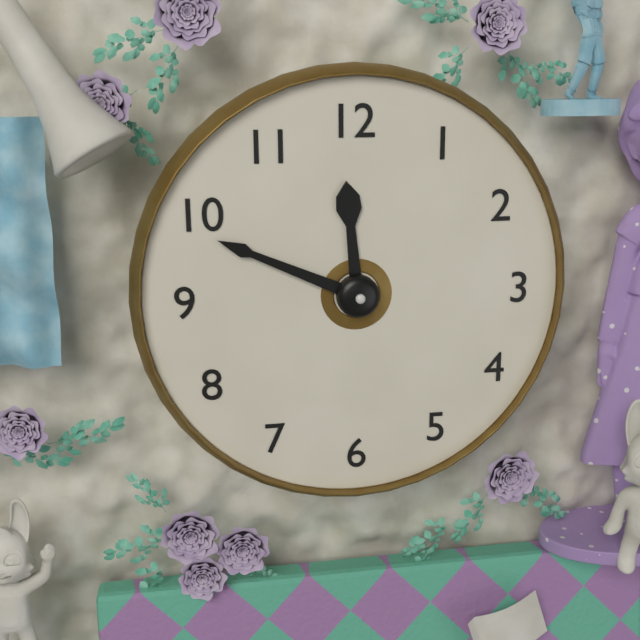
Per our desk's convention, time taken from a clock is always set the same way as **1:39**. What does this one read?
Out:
**11:49**
